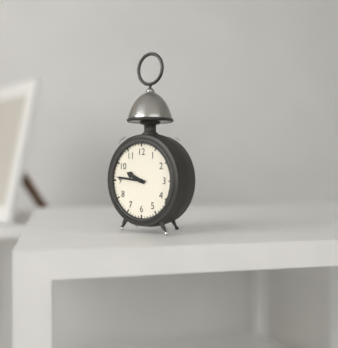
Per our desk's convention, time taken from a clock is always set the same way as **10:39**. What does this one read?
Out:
**9:46**
